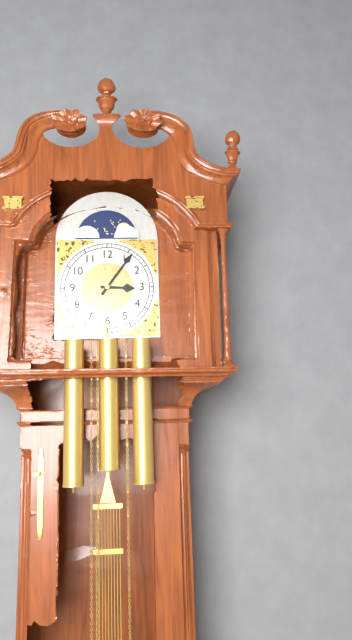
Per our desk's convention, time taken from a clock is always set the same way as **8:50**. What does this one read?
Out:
**3:06**
